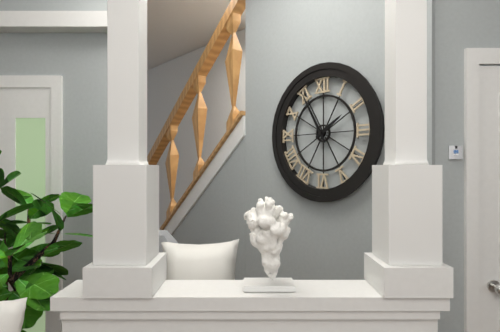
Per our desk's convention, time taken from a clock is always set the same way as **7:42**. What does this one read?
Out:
**1:55**
